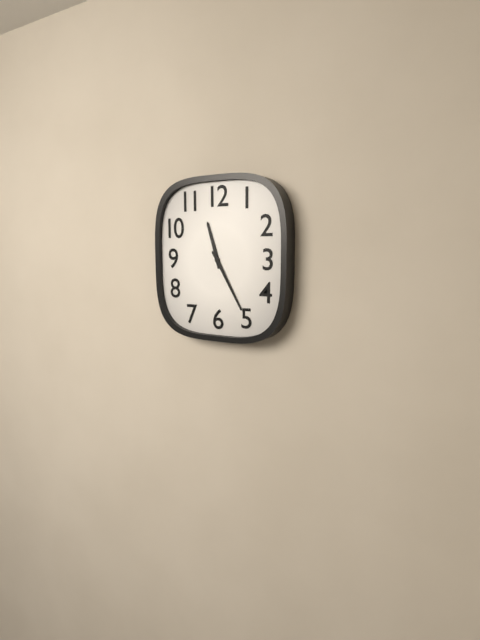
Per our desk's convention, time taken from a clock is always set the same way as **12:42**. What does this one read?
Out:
**11:25**
